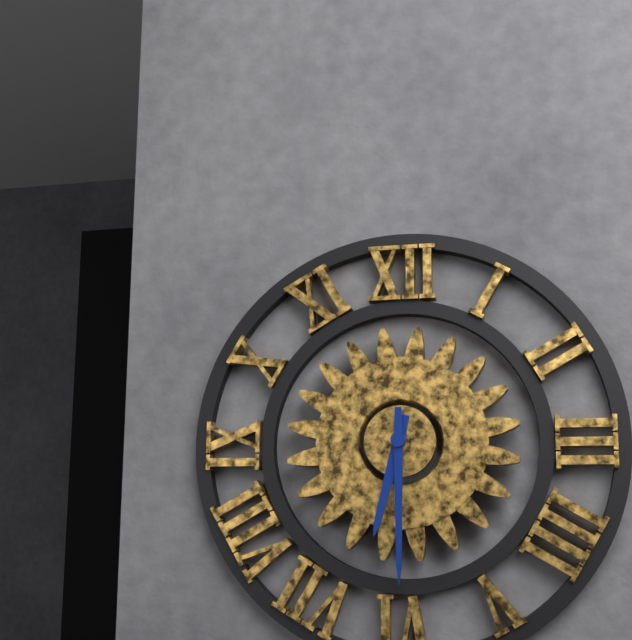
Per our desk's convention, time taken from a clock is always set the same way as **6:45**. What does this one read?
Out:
**6:30**
